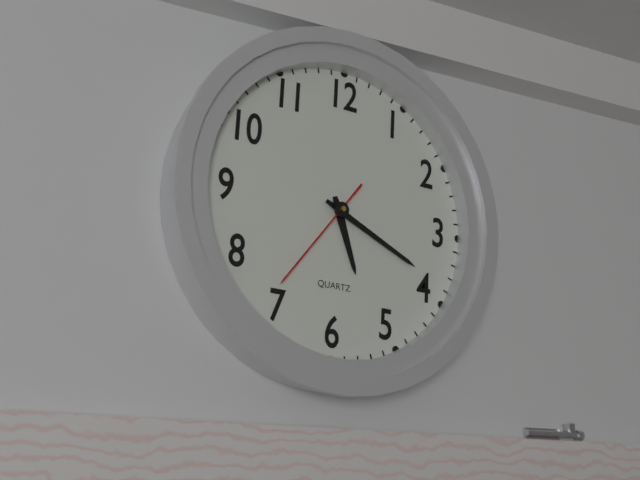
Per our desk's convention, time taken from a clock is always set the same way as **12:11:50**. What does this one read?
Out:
**5:19:36**
